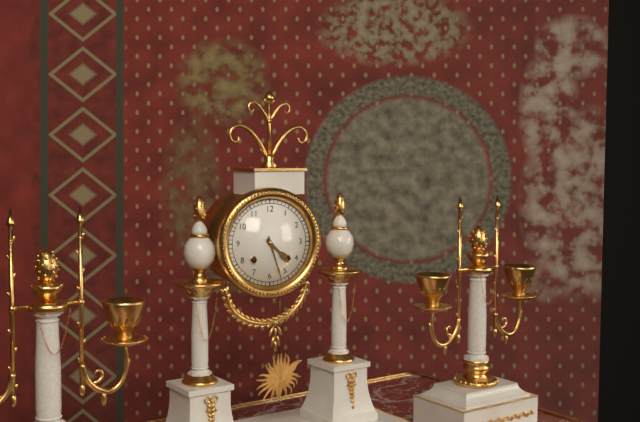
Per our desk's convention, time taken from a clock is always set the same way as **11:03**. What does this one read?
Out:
**4:27**
